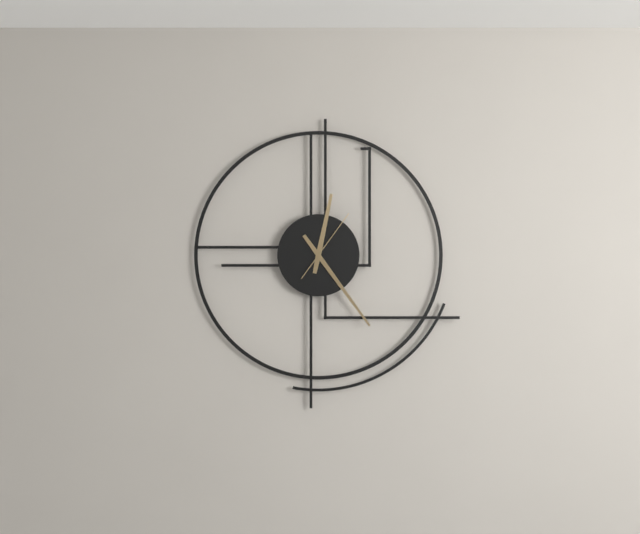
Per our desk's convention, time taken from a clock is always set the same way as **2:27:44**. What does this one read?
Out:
**12:24:06**
